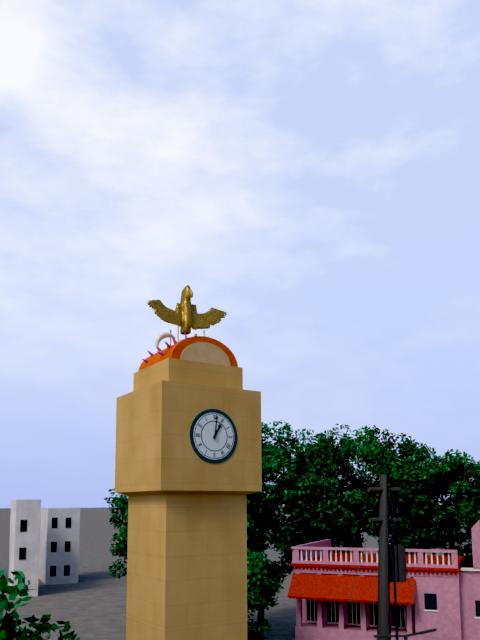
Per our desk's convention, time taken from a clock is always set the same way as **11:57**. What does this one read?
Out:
**1:01**
